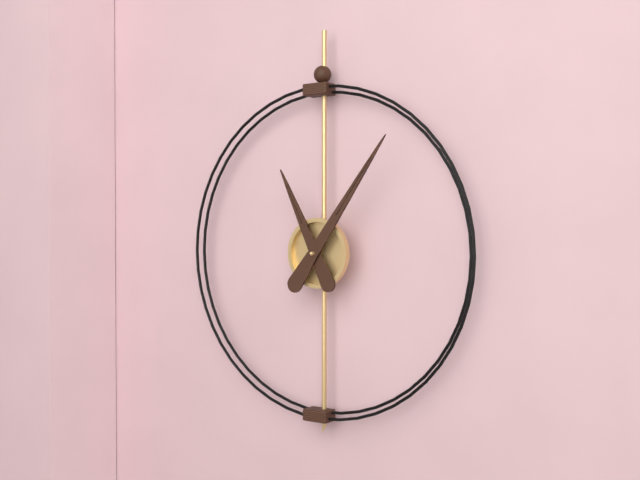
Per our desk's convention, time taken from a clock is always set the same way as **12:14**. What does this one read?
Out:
**11:06**
